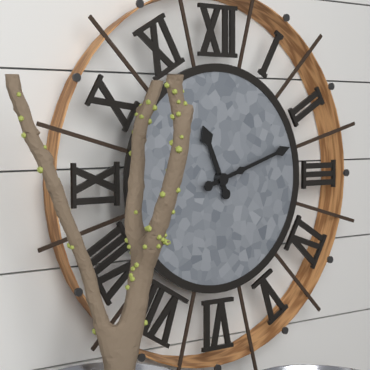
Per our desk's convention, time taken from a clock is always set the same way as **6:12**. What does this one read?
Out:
**11:12**
